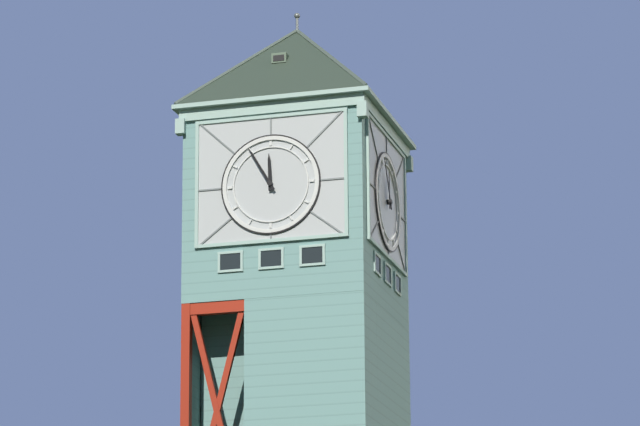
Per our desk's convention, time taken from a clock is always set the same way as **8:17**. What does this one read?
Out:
**11:55**
